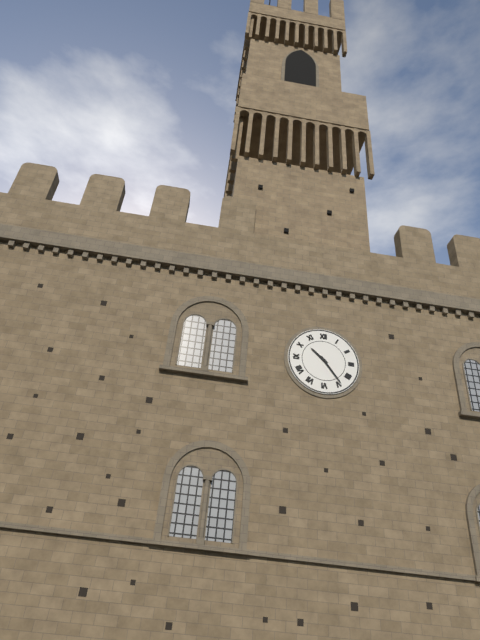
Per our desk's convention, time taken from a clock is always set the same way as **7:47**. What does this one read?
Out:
**10:24**
